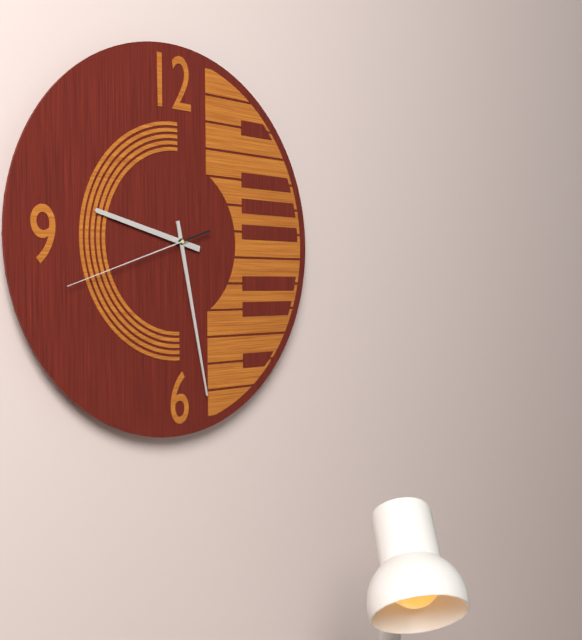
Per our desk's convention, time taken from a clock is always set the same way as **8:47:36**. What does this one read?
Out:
**9:28:42**
